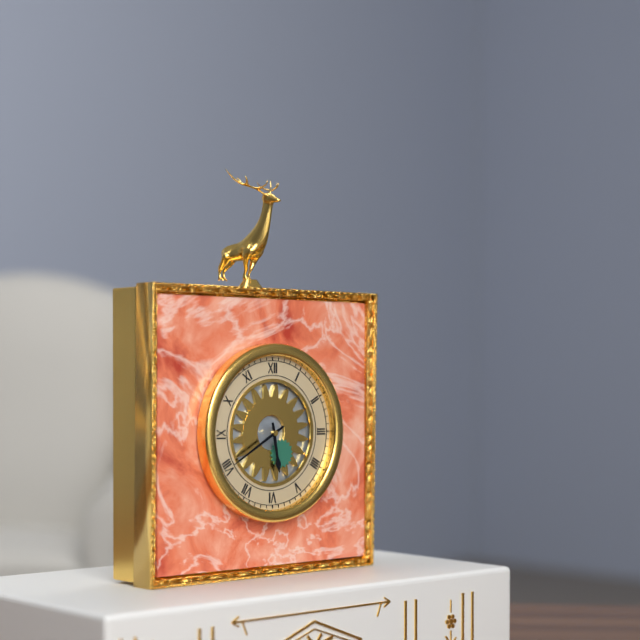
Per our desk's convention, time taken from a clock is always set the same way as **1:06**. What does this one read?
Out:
**5:40**
